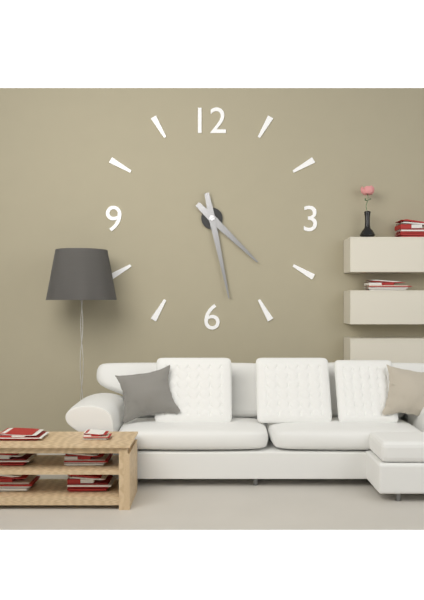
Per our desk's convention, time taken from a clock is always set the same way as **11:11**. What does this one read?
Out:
**4:28**
